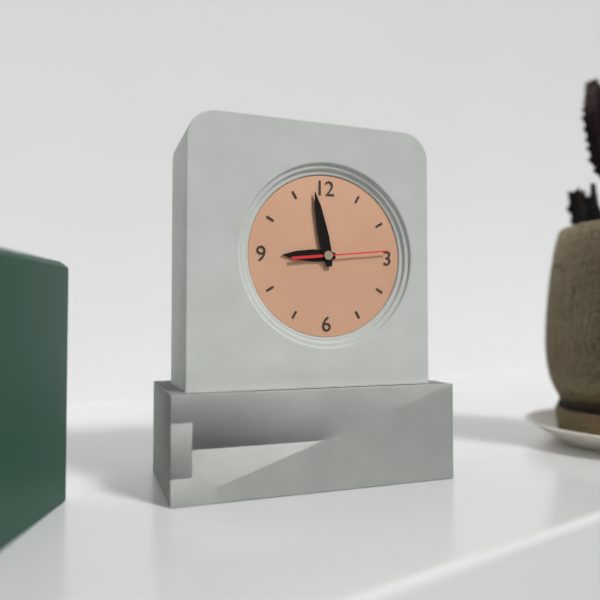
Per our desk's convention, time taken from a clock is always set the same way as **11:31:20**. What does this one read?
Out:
**8:58:14**
